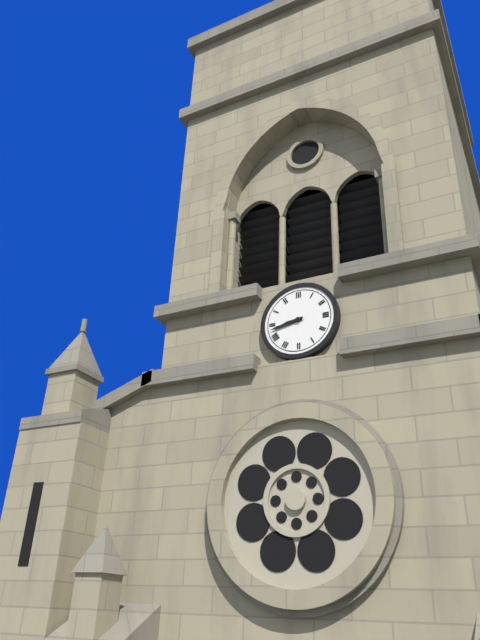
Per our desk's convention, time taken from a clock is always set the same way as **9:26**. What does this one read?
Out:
**8:43**
